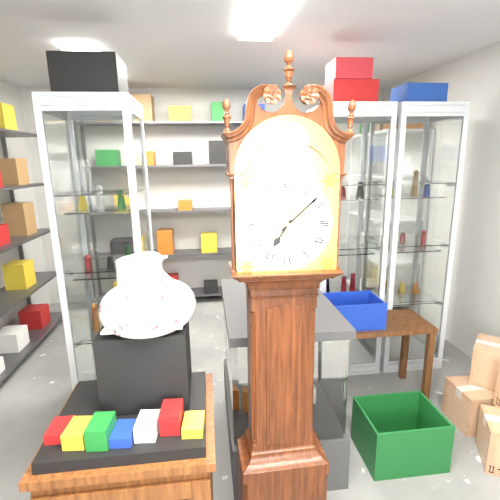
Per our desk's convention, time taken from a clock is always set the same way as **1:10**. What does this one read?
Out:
**7:08**
